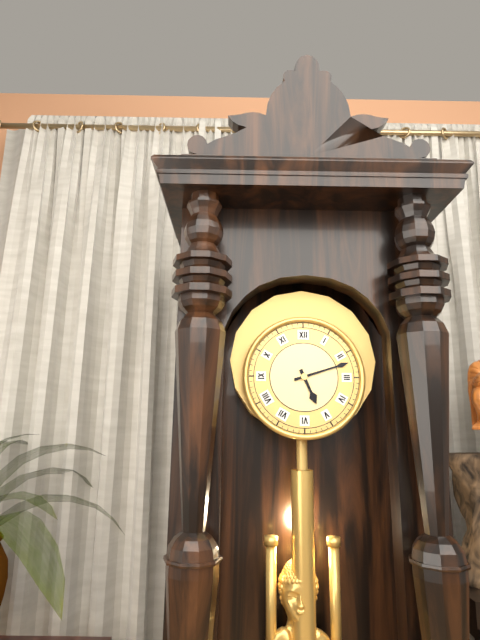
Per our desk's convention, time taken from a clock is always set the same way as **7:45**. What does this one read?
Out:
**5:12**
